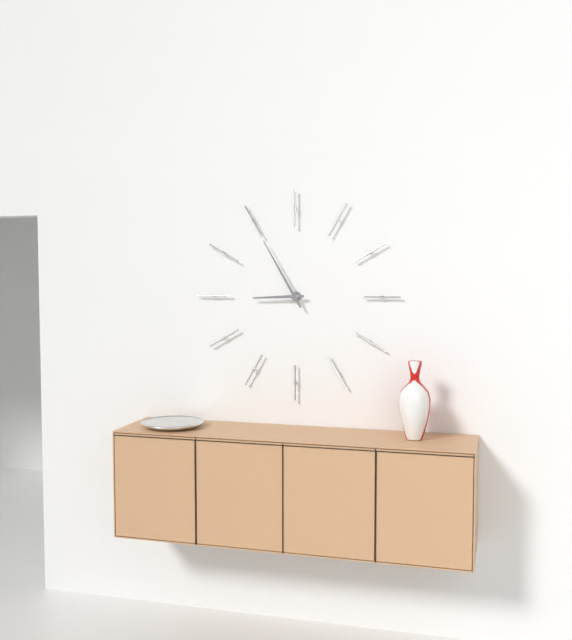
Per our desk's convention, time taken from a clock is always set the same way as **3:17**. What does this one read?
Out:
**8:55**
